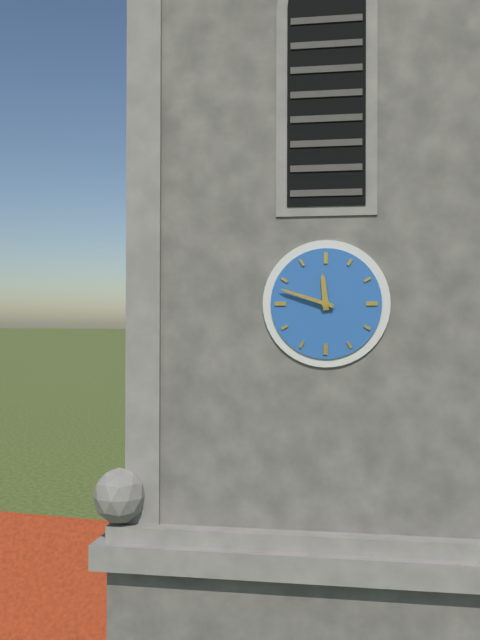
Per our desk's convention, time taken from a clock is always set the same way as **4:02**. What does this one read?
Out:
**11:48**
